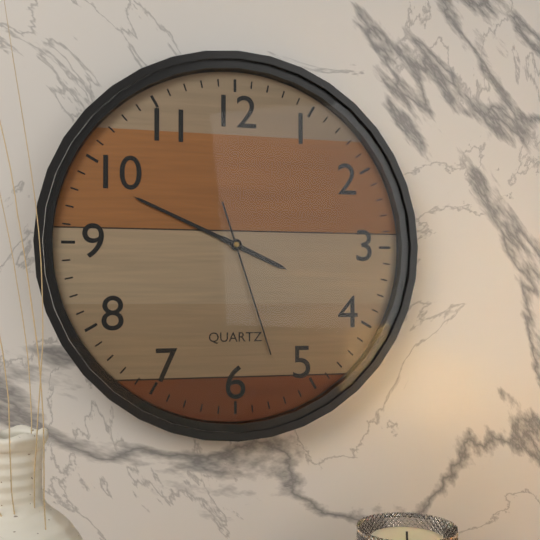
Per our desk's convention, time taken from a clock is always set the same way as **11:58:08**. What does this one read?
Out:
**3:49:27**
